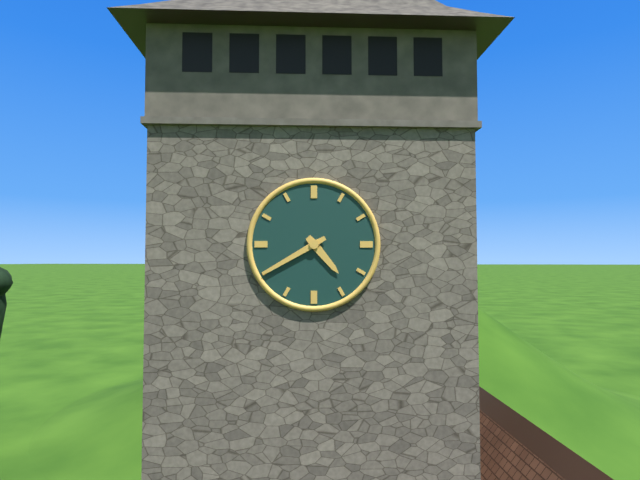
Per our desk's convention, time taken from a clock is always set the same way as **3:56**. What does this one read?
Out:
**4:40**
